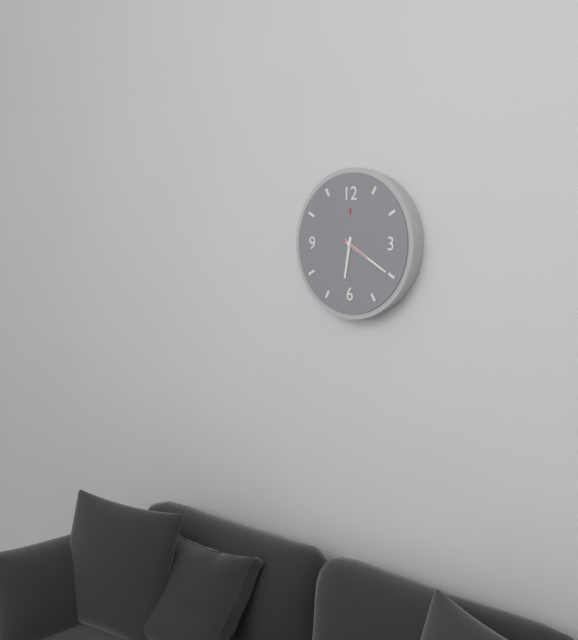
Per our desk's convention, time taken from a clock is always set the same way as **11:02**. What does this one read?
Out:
**6:20**
